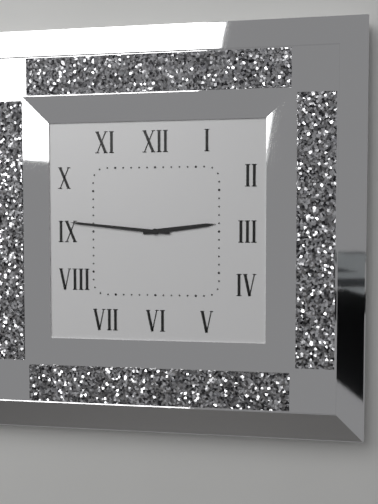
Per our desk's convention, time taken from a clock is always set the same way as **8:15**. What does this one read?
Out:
**2:46**
